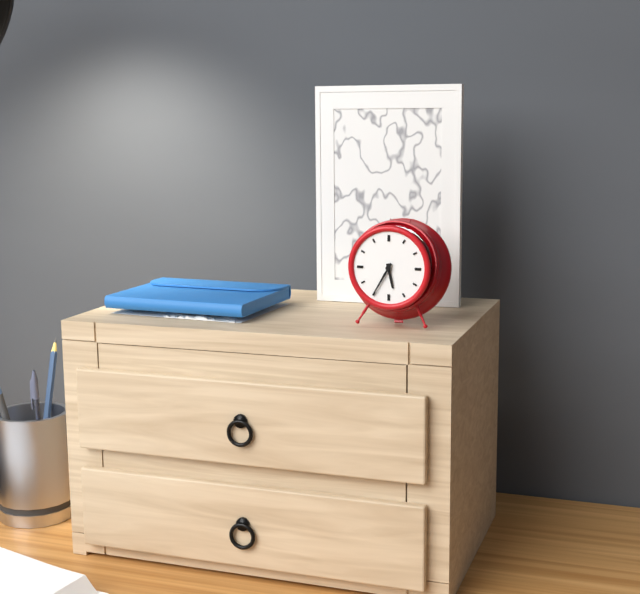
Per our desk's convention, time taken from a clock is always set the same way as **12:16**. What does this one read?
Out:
**5:35**
